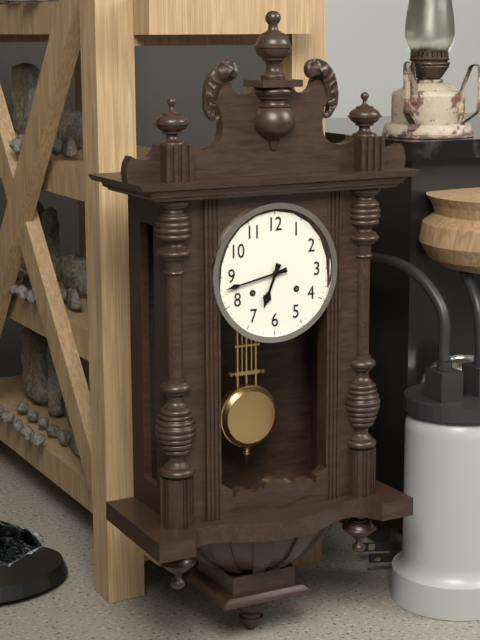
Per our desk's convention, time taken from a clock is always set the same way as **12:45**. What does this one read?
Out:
**6:43**
